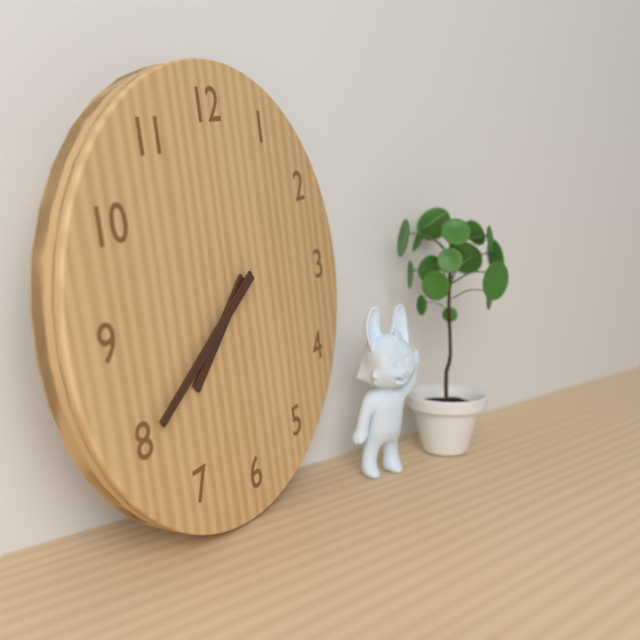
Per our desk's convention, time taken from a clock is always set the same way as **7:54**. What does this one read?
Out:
**7:40**
